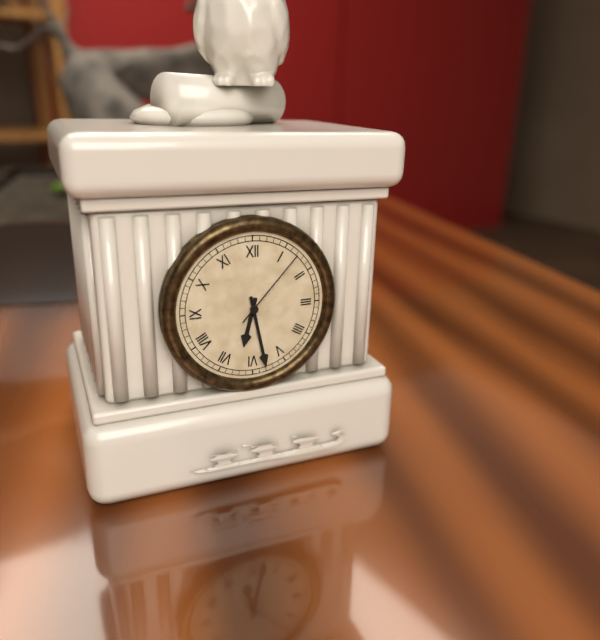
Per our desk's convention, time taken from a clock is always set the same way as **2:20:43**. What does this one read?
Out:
**6:28:07**
